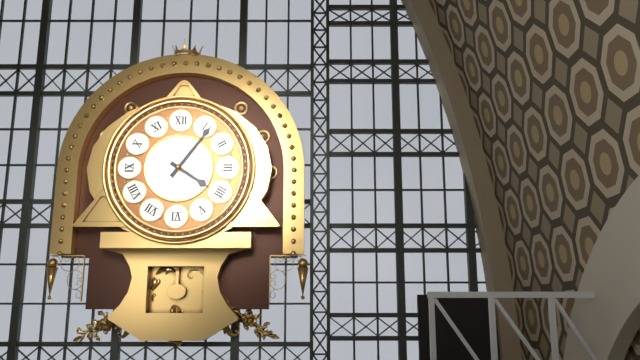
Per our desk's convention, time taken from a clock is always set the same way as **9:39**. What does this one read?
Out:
**4:06**
